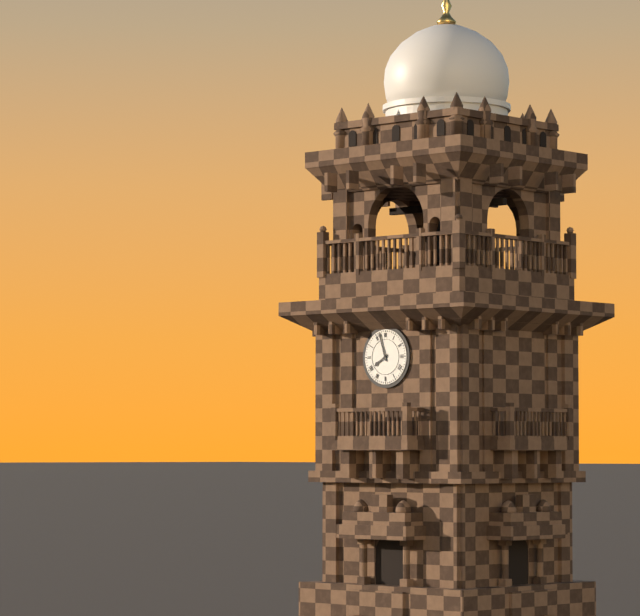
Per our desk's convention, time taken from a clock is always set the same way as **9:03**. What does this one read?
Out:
**7:57**
